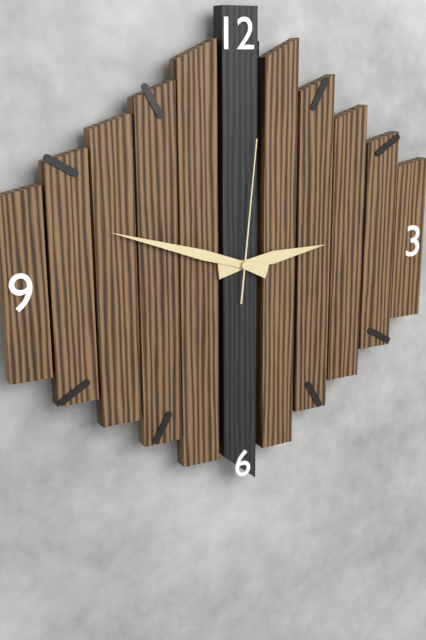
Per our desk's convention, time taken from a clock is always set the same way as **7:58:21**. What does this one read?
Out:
**2:48:01**
